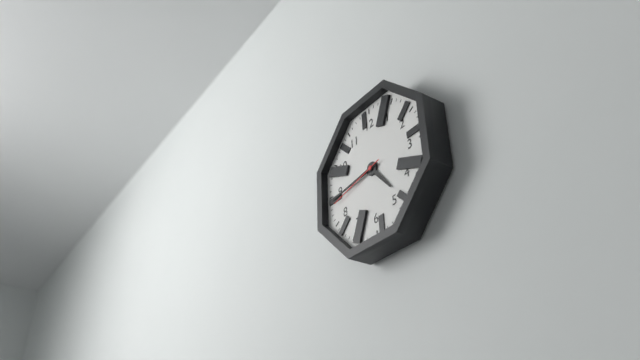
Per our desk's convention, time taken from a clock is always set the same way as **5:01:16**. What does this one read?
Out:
**4:44:43**
